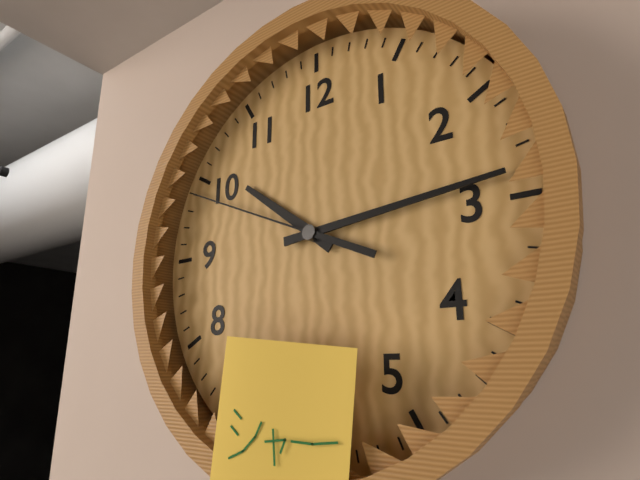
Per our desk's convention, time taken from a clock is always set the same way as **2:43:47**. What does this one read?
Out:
**10:14:49**
